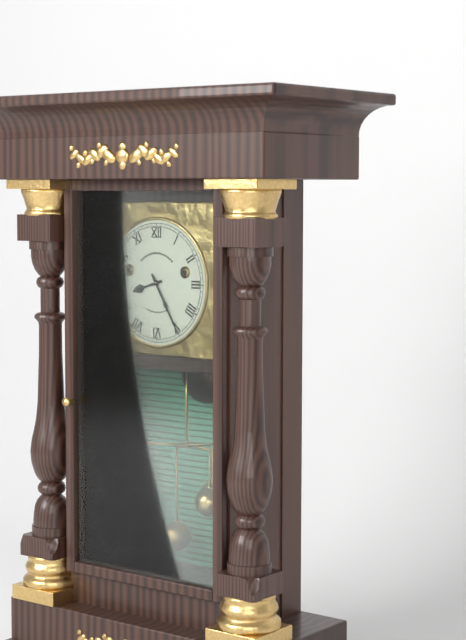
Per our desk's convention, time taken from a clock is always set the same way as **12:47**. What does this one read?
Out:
**8:25**
